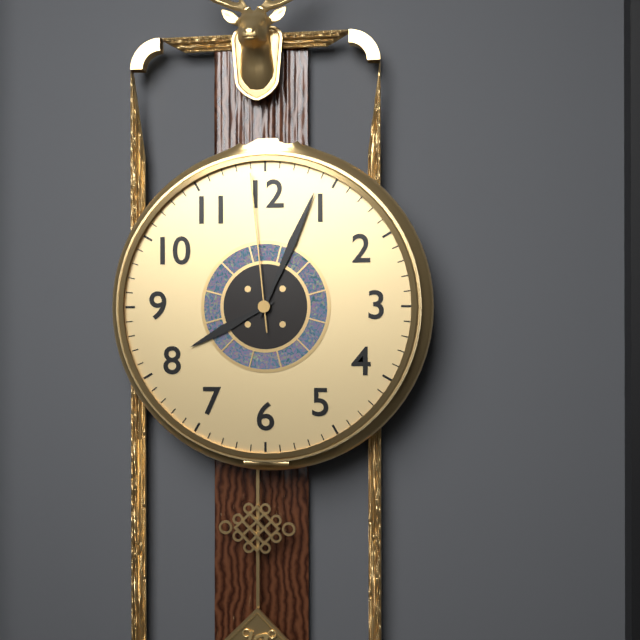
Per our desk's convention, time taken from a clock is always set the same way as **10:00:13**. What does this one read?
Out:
**8:04:59**
